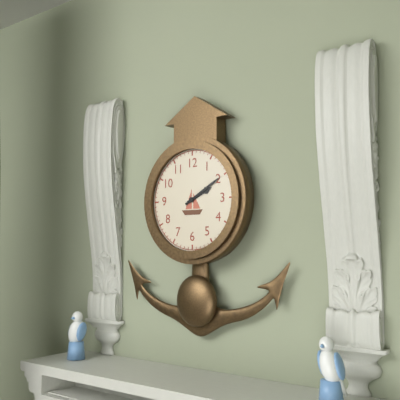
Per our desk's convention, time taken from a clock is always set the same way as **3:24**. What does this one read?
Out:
**2:10**
